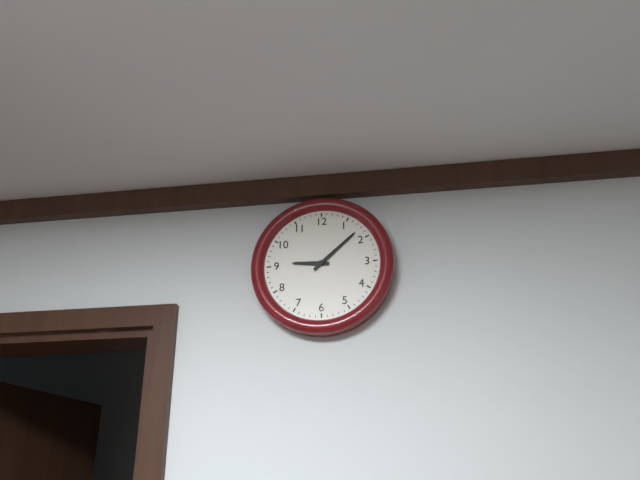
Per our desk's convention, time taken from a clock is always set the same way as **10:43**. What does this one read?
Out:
**9:08**
